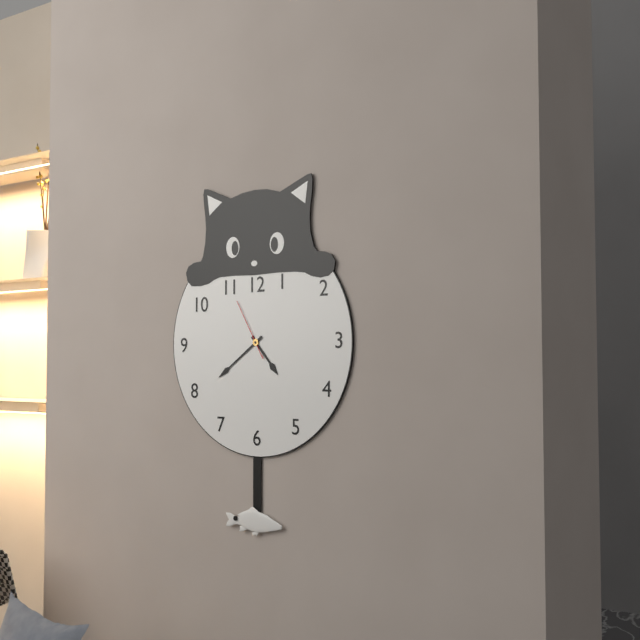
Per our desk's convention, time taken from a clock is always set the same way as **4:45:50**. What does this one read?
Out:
**4:39:55**
